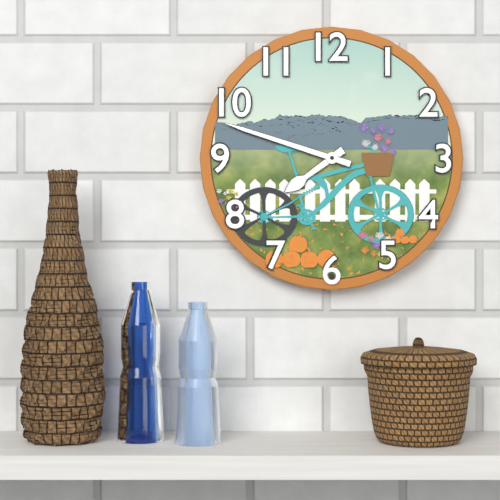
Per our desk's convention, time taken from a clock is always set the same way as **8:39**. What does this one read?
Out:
**7:48**
